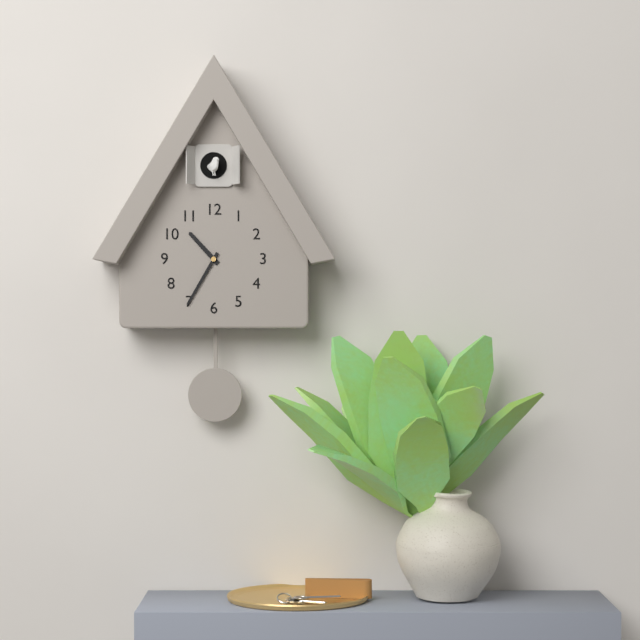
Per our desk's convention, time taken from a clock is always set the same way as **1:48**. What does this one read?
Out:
**10:35**
